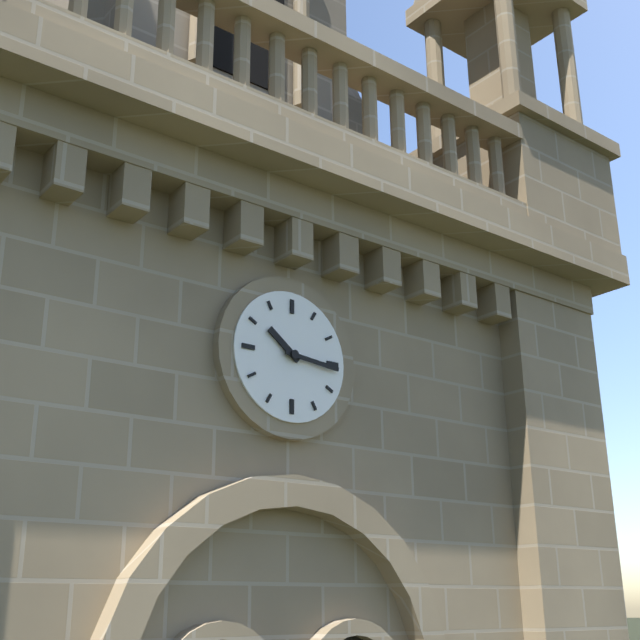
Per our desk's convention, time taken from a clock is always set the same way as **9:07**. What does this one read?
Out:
**10:16**
